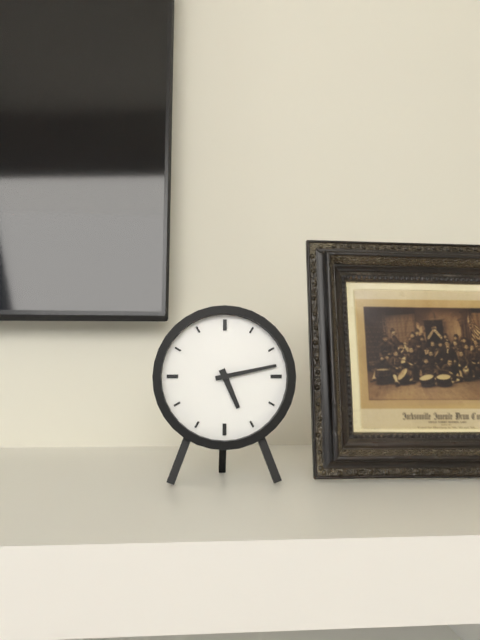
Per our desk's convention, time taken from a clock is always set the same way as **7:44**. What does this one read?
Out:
**5:13**
